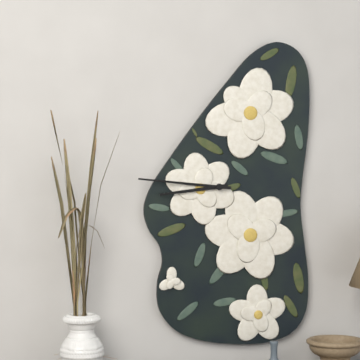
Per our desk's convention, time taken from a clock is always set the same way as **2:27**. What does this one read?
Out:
**8:46**
